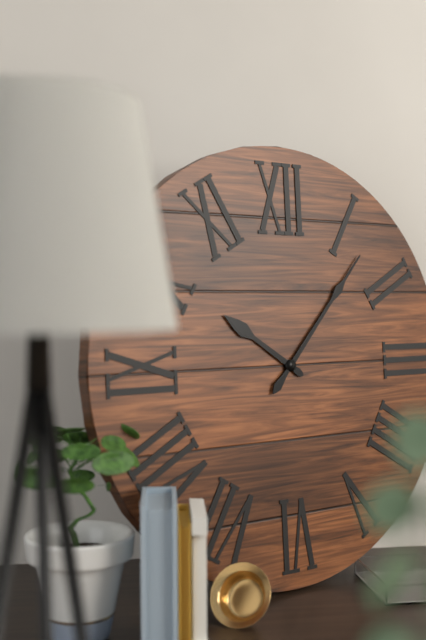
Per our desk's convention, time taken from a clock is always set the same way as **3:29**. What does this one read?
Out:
**10:07**
